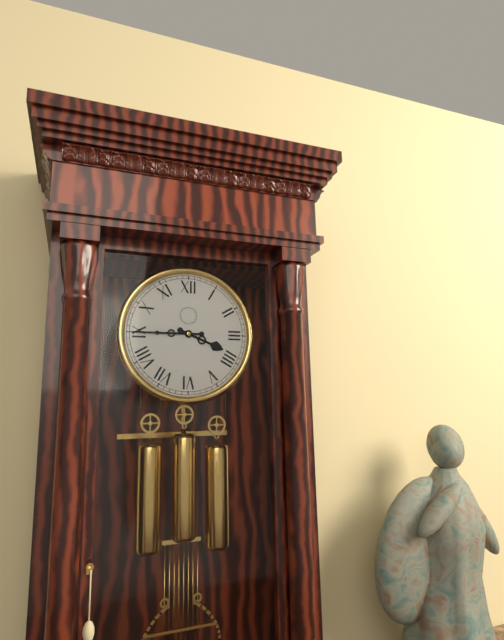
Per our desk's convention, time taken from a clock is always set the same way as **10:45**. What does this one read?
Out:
**3:45**
